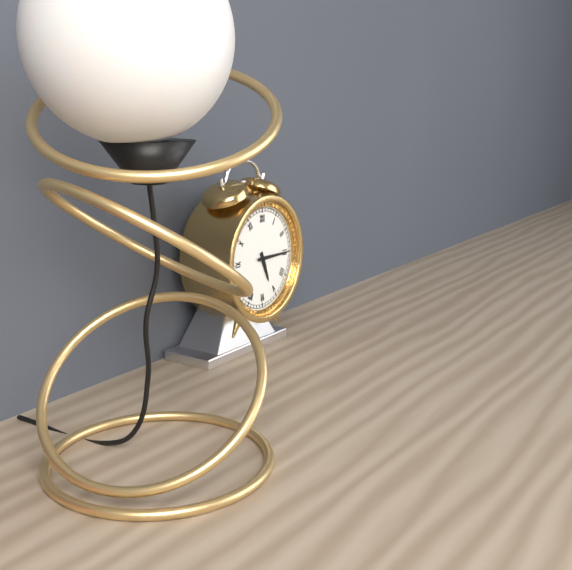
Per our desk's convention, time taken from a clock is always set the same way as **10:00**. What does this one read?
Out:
**5:15**
